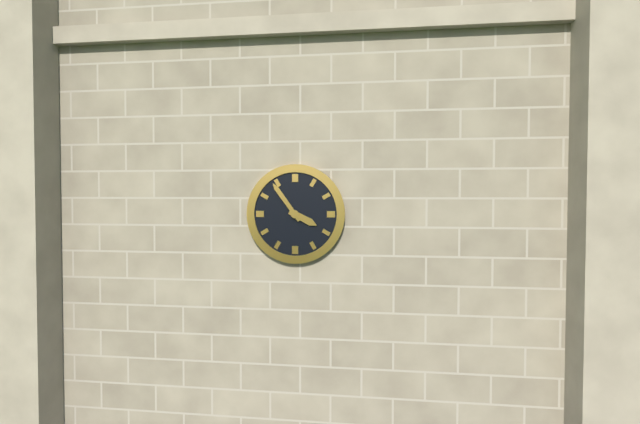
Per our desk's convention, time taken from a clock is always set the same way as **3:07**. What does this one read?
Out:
**3:54**
